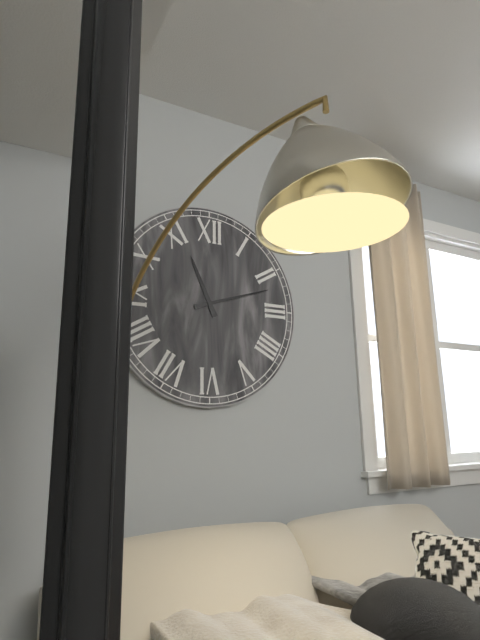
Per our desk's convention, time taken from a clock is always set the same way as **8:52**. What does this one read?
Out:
**11:12**
